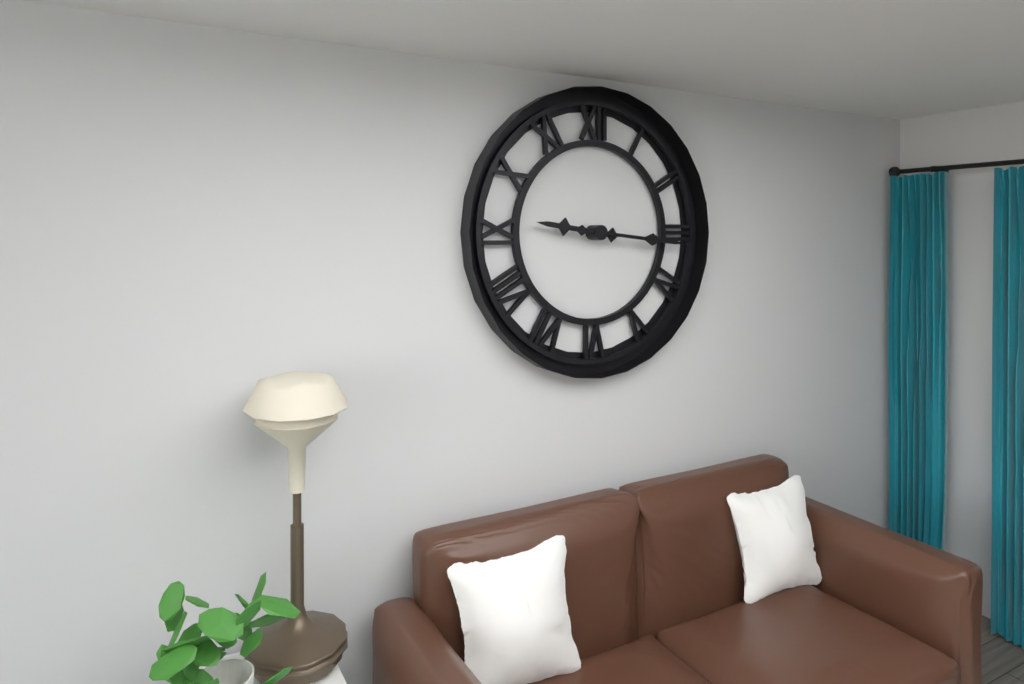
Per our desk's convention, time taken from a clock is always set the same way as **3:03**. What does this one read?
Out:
**9:16**
